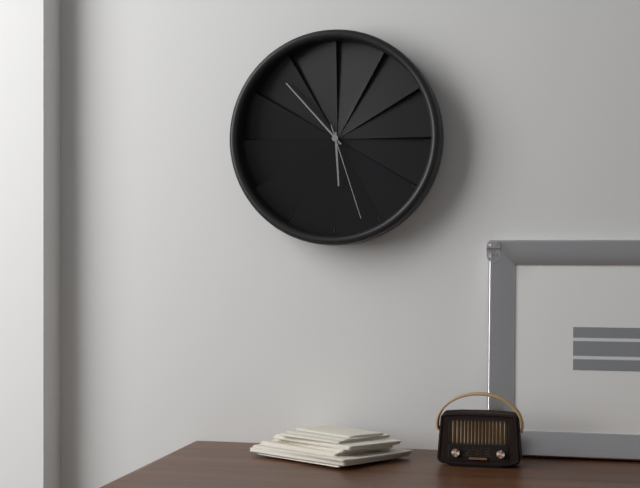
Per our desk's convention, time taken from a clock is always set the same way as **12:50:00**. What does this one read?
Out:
**5:53:27**
